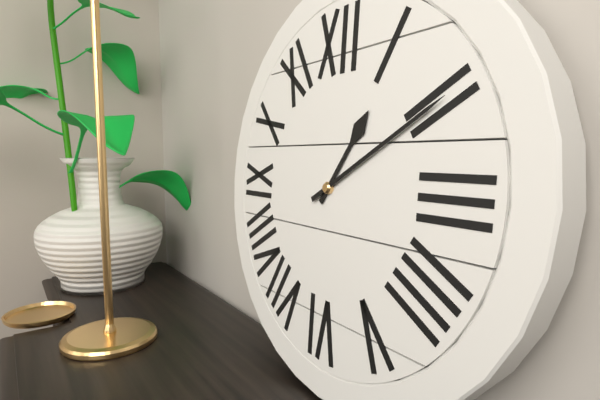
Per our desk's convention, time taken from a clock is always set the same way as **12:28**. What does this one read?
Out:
**1:10**
